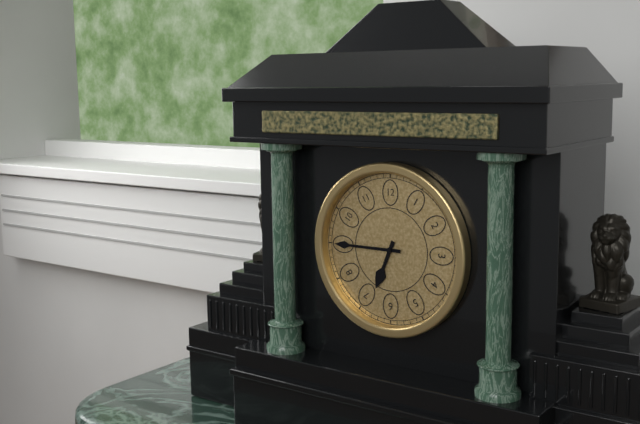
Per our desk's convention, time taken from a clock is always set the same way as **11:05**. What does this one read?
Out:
**6:45**
